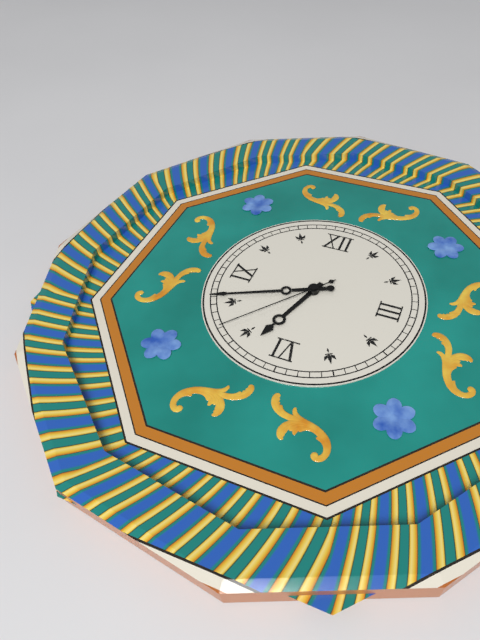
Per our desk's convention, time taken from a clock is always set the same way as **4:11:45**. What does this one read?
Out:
**6:41:37**
